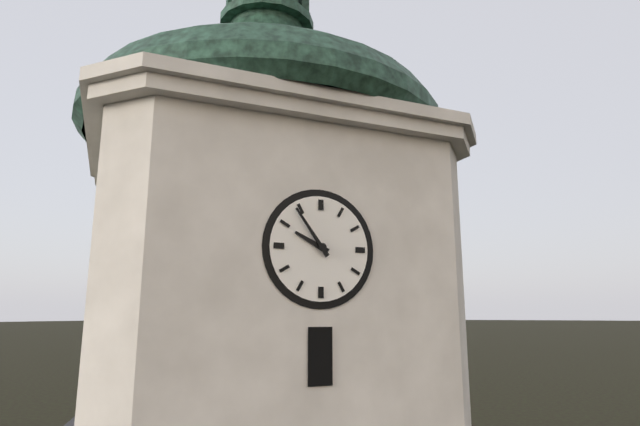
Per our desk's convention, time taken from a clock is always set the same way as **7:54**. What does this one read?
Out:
**9:54**
